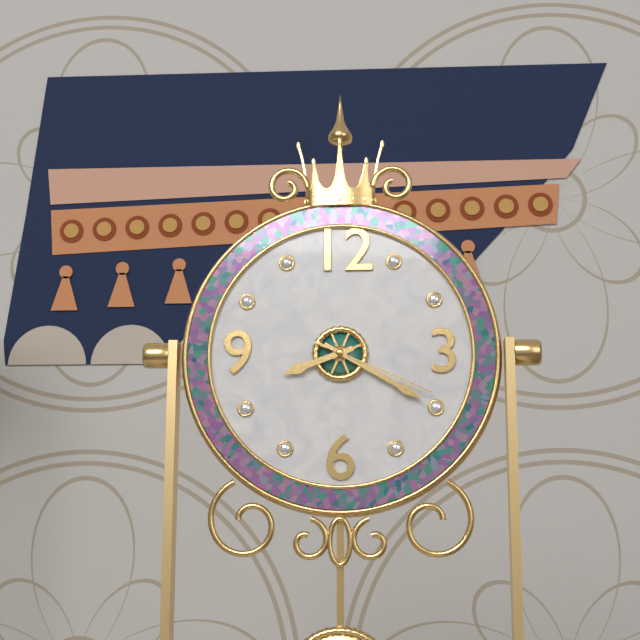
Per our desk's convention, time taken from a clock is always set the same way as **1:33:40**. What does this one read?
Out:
**8:20:19**
